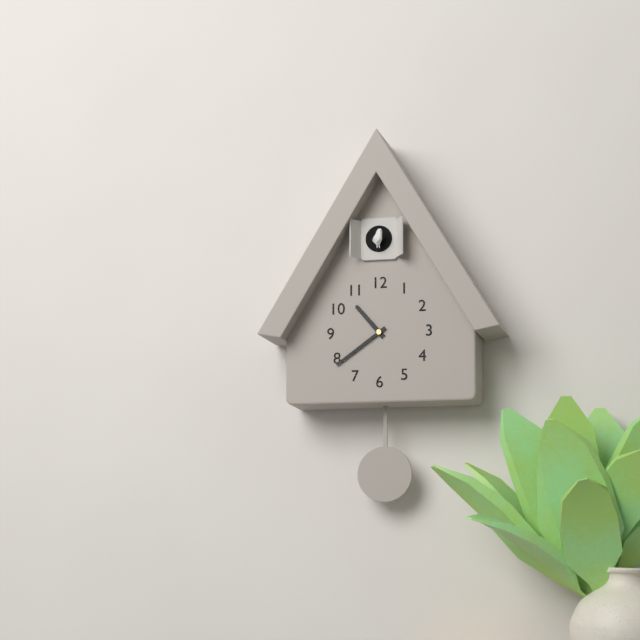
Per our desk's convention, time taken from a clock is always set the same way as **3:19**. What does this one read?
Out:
**10:39**
